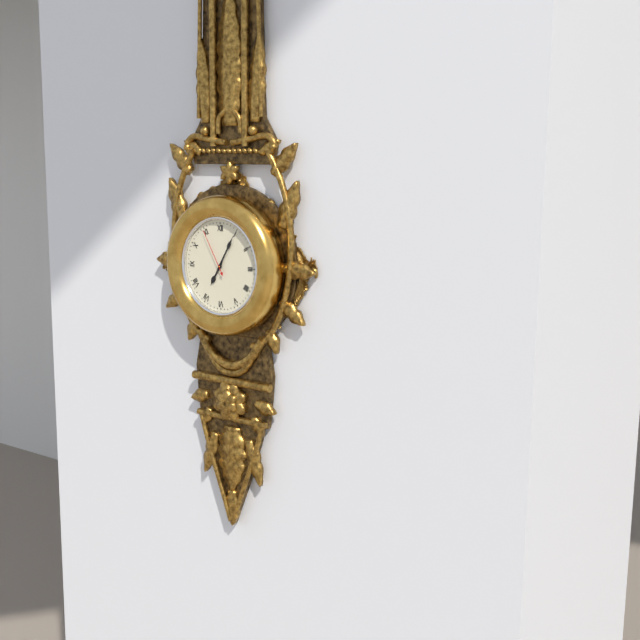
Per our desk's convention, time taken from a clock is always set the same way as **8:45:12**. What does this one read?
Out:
**7:05:55**
